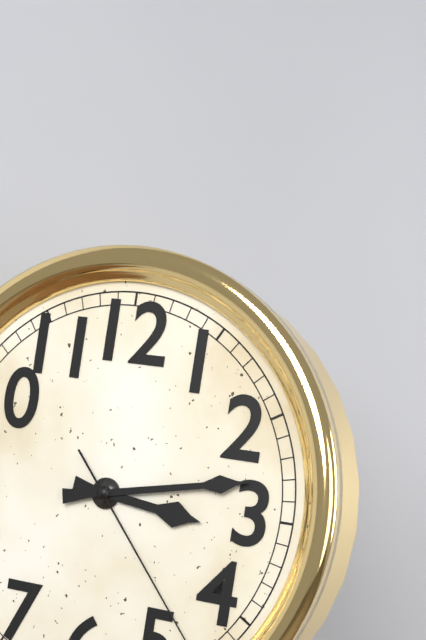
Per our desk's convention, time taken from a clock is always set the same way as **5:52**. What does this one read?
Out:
**3:13**
